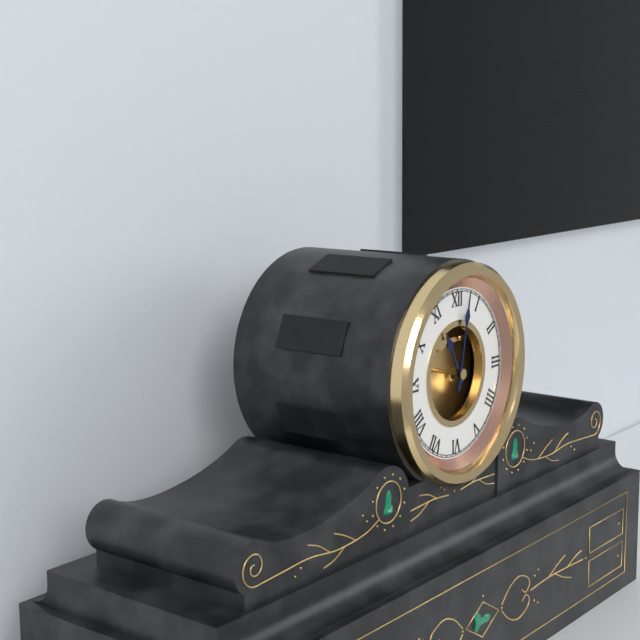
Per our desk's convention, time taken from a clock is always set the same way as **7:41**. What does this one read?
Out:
**11:02**
